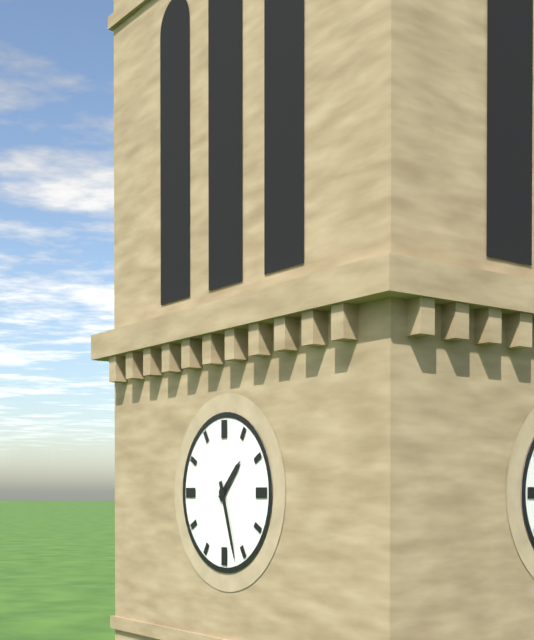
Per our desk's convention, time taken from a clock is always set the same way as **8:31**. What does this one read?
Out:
**1:27**
